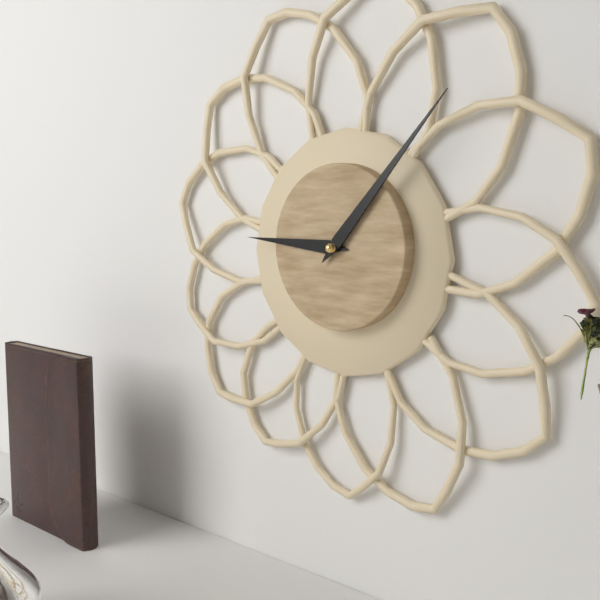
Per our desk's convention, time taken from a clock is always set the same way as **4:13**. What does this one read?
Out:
**9:07**
